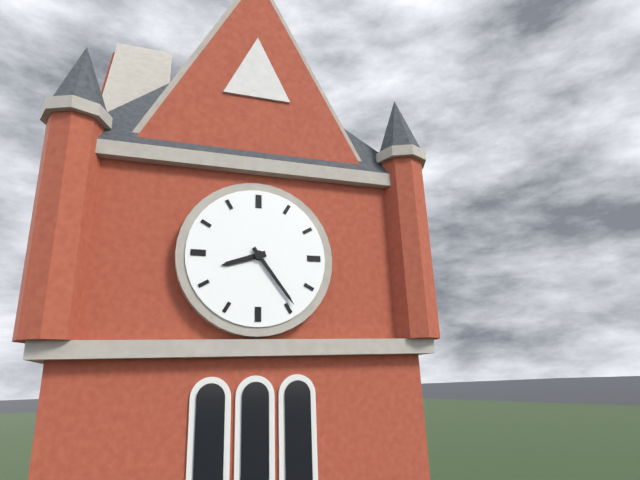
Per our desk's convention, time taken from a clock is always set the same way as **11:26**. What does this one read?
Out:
**8:24**
